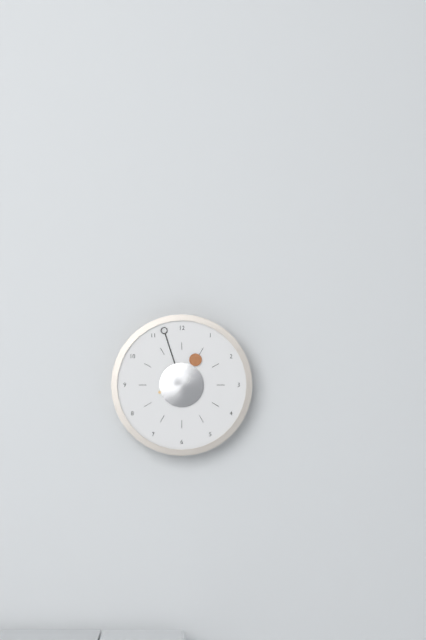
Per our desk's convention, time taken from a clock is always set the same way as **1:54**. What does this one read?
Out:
**12:57**
